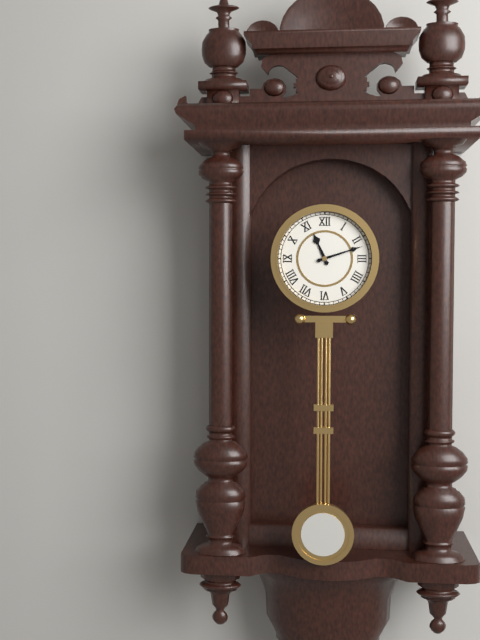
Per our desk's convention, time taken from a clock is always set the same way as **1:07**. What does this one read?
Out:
**11:12**
